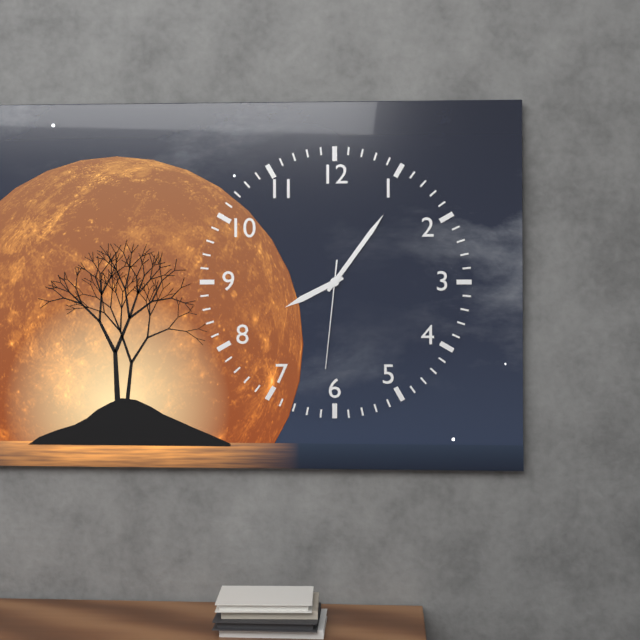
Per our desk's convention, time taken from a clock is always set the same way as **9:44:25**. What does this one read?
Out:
**8:06:31**
